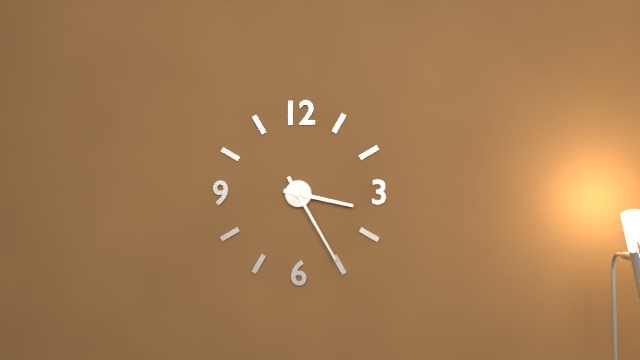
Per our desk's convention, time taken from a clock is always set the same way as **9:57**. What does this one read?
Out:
**3:25**
